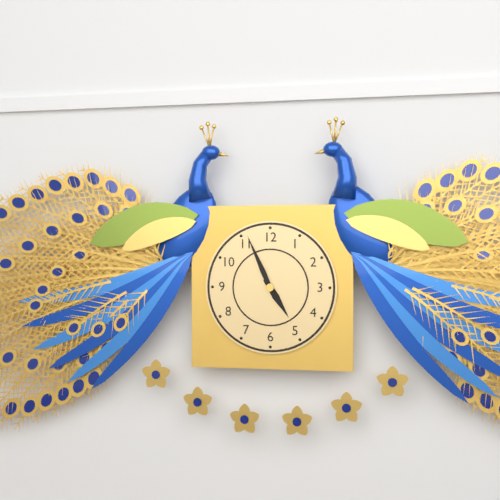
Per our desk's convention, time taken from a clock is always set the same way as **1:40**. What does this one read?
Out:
**4:56**
